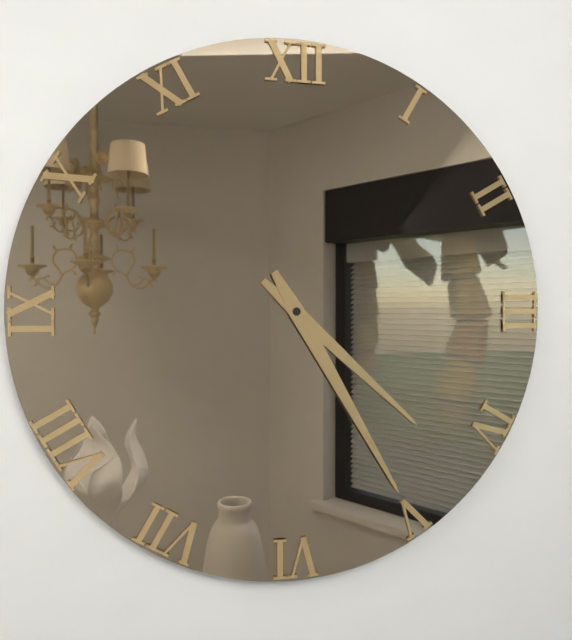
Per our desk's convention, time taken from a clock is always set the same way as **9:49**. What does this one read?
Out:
**4:25**
